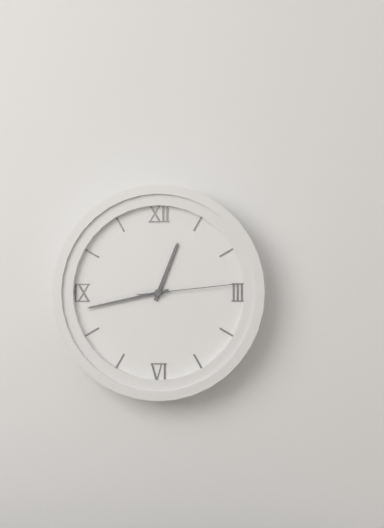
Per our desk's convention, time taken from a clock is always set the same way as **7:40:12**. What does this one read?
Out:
**12:43:14**
